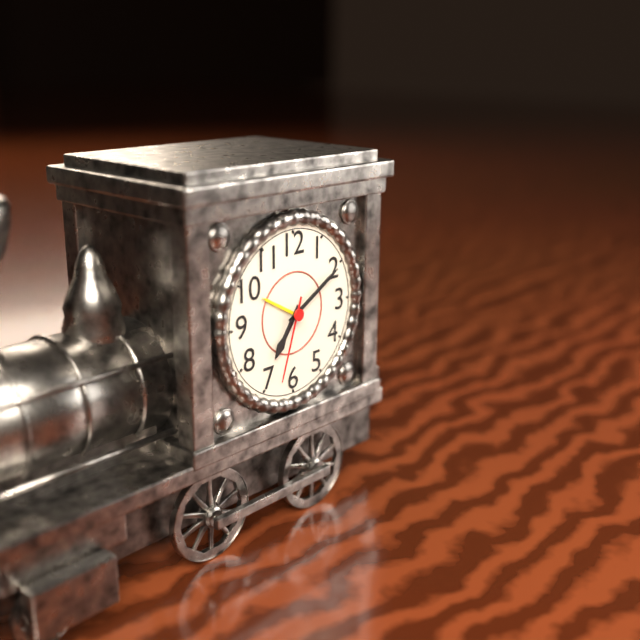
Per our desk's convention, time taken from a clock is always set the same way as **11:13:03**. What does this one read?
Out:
**7:10:33**
